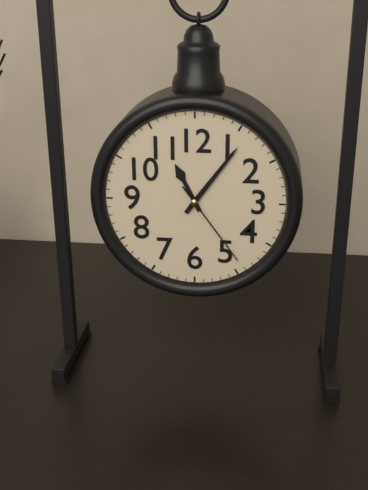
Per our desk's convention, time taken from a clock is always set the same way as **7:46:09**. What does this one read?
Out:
**11:06:24**
